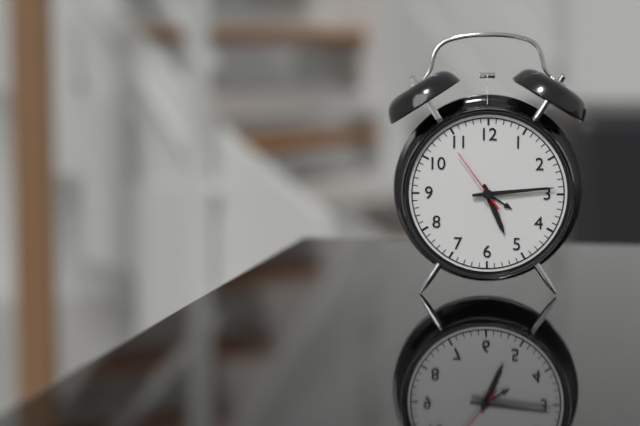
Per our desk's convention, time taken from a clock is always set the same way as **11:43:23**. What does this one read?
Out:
**5:14:54**
